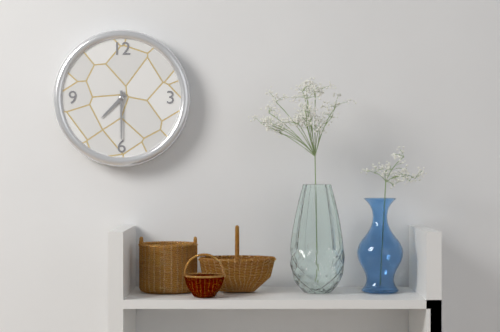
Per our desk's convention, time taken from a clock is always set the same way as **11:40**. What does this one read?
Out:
**7:30**
